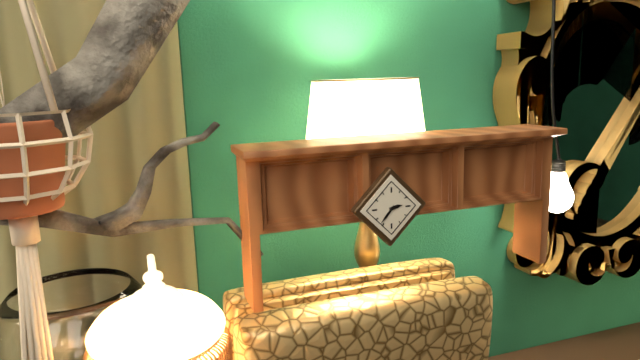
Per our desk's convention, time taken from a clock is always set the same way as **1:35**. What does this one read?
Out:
**2:37**
